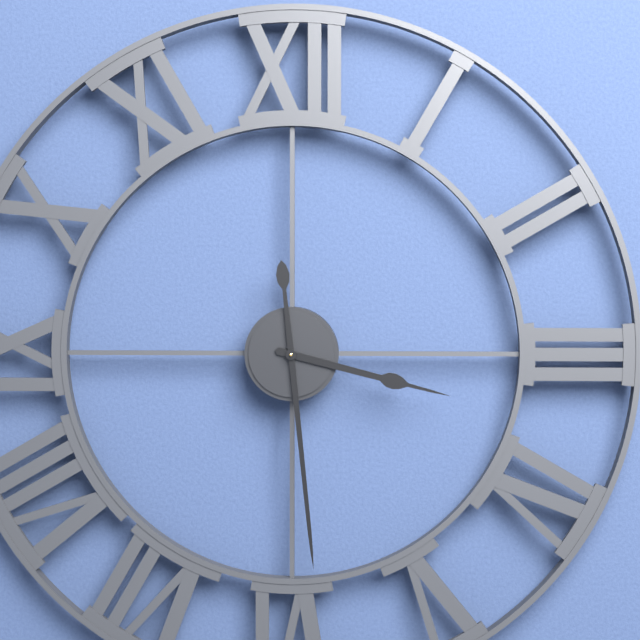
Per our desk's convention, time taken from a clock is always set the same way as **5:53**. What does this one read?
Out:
**3:29**
